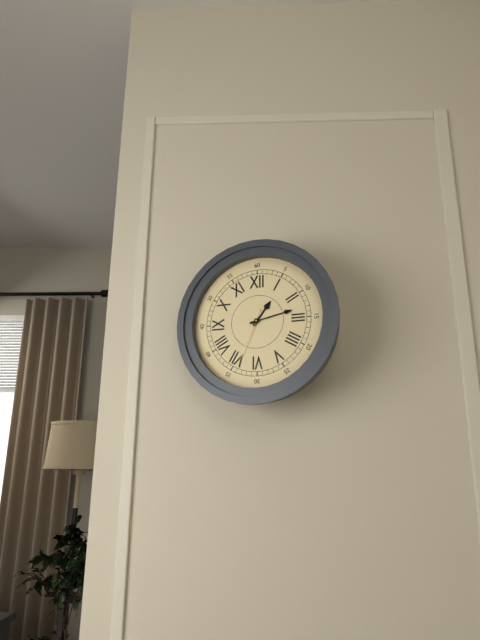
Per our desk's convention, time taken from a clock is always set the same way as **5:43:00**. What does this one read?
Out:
**1:13:34**
